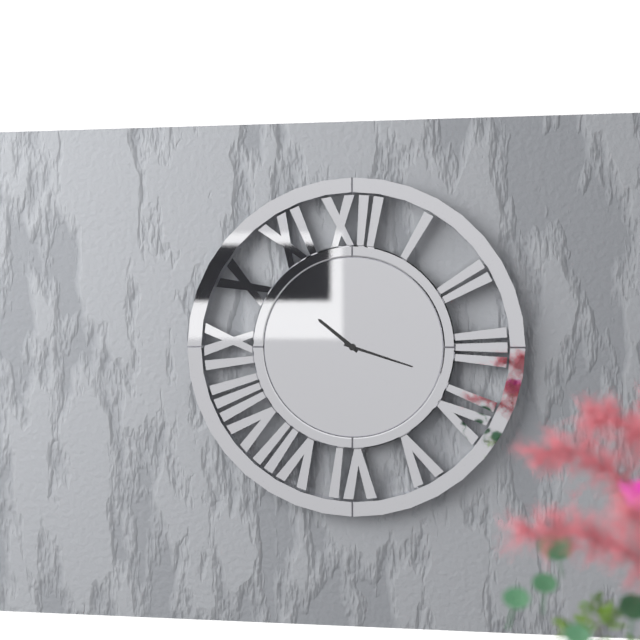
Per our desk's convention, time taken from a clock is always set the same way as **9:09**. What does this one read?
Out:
**10:18**
